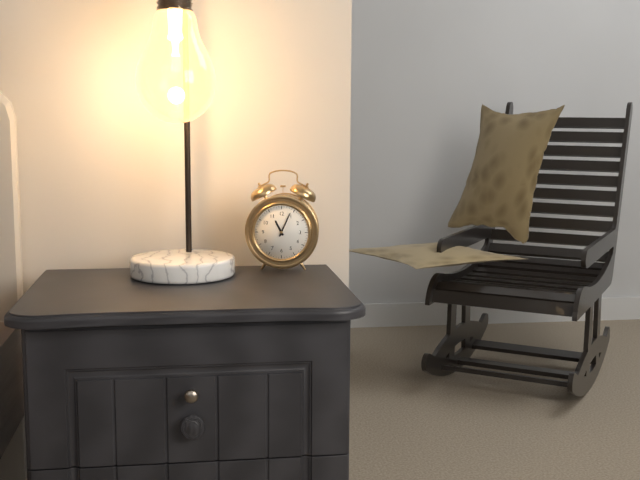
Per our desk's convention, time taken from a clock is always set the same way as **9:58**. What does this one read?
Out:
**11:04**
